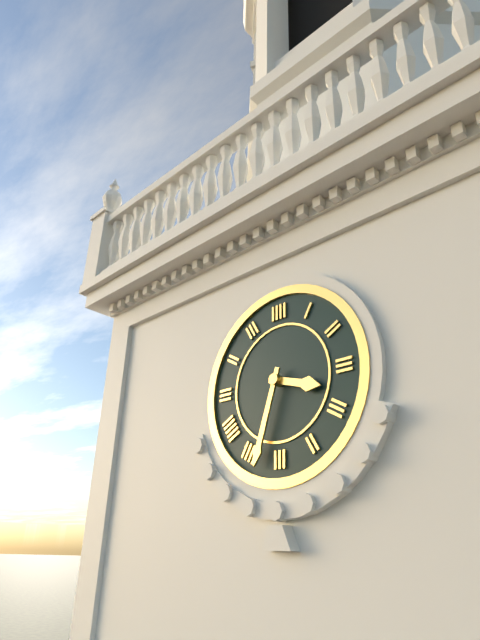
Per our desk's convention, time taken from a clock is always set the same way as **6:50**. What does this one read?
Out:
**3:33**
